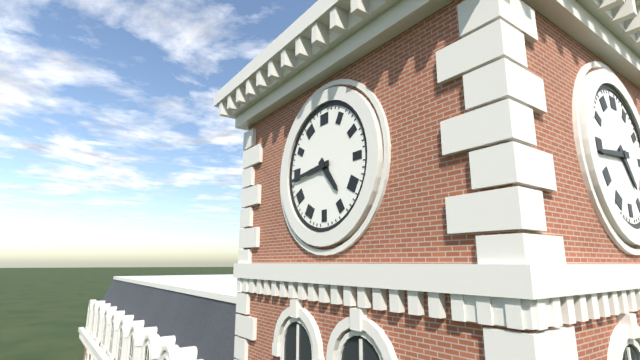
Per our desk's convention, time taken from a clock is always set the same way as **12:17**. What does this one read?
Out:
**4:44**
